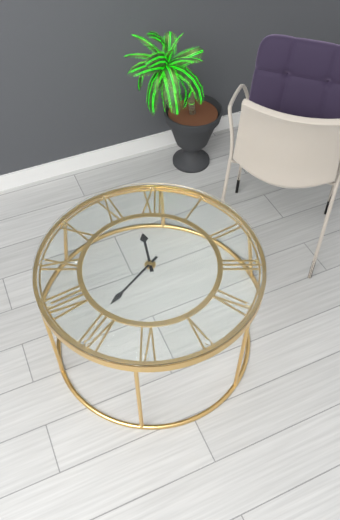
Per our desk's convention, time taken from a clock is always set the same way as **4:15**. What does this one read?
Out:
**11:36**
